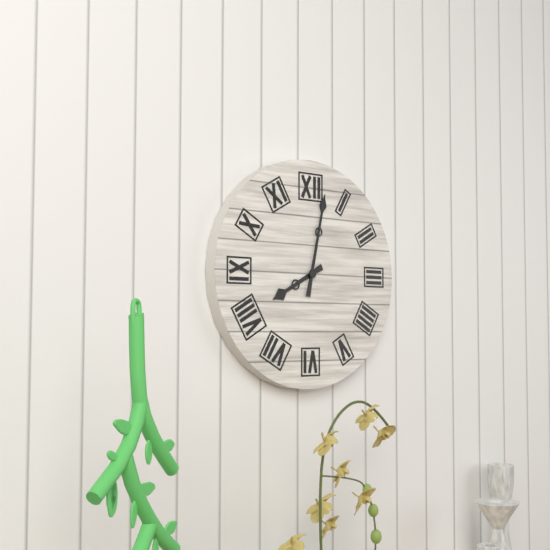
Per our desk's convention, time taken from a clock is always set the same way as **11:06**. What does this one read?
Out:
**8:02**
